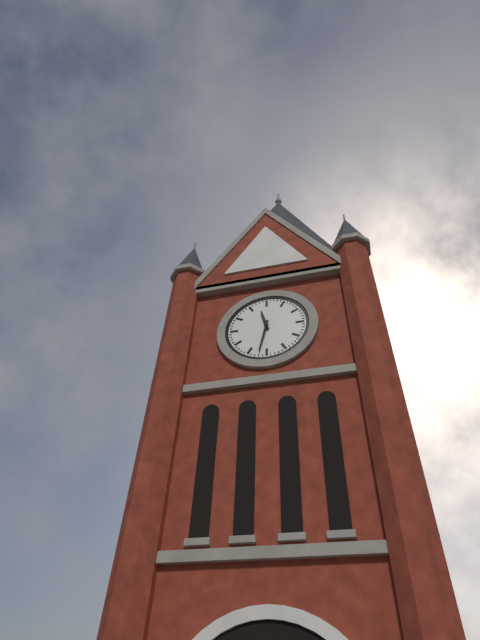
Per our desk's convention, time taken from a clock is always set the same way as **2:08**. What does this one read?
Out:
**11:32**
